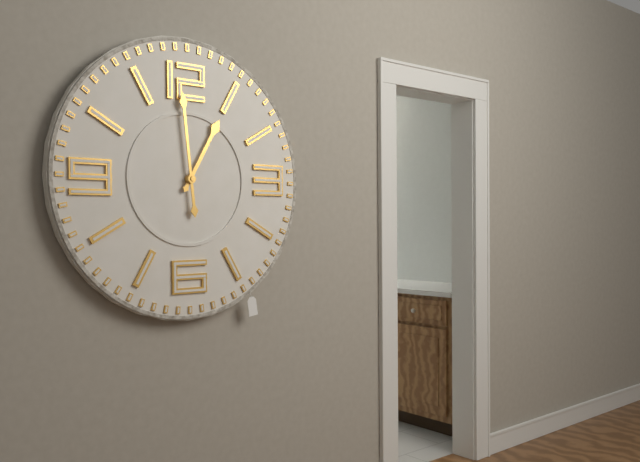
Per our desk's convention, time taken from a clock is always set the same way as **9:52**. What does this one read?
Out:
**12:59**
